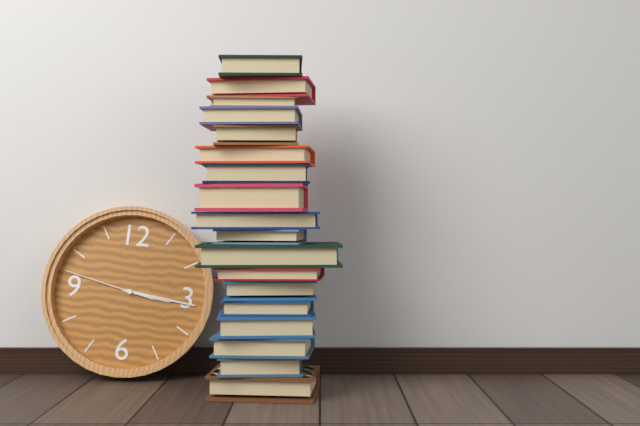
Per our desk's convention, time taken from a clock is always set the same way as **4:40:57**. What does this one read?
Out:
**3:16:47**
